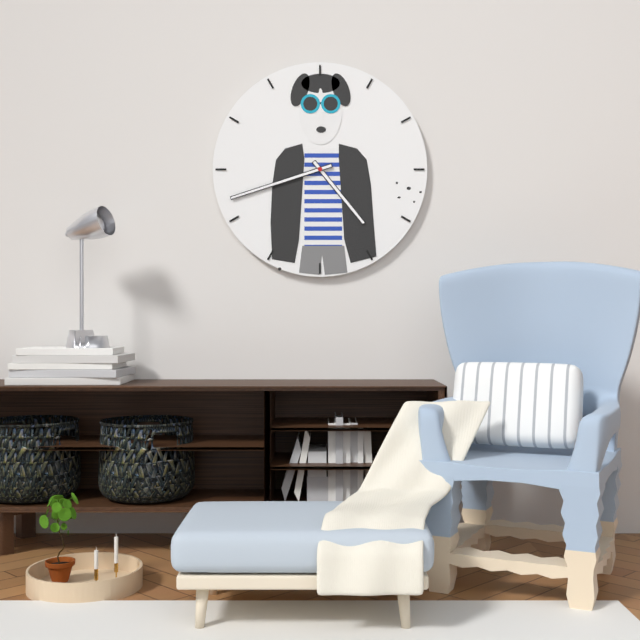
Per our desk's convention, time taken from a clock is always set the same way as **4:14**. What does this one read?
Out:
**4:42**
